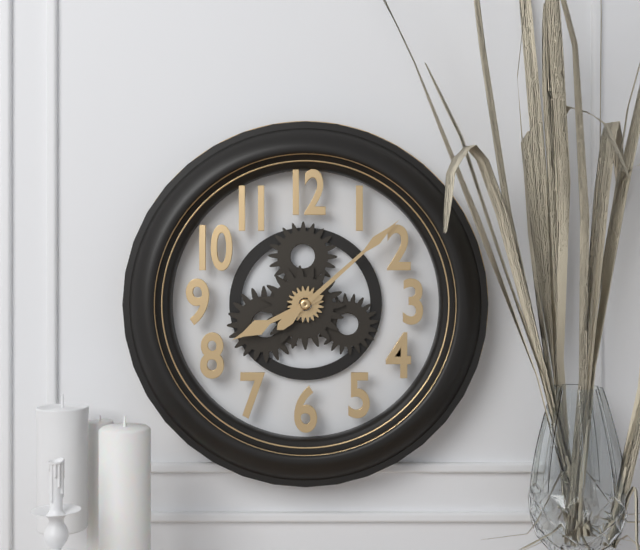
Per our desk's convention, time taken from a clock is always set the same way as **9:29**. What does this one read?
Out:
**8:08**
